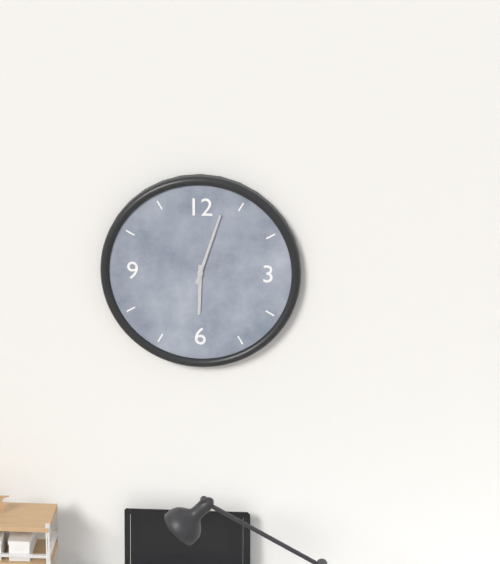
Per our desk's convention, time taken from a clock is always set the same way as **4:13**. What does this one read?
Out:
**6:03**
